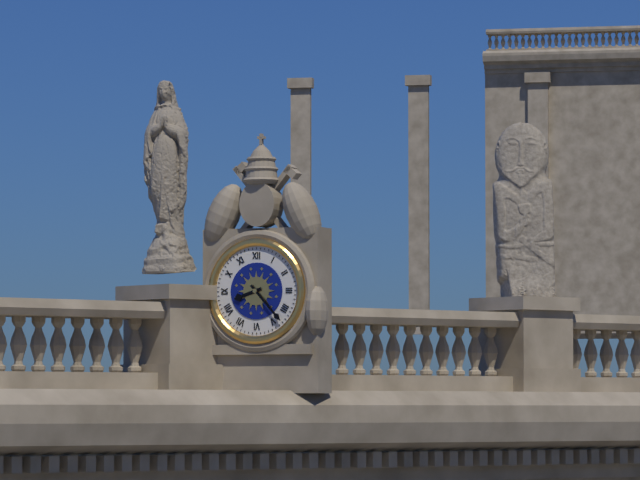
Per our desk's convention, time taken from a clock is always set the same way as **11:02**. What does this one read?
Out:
**8:23**
